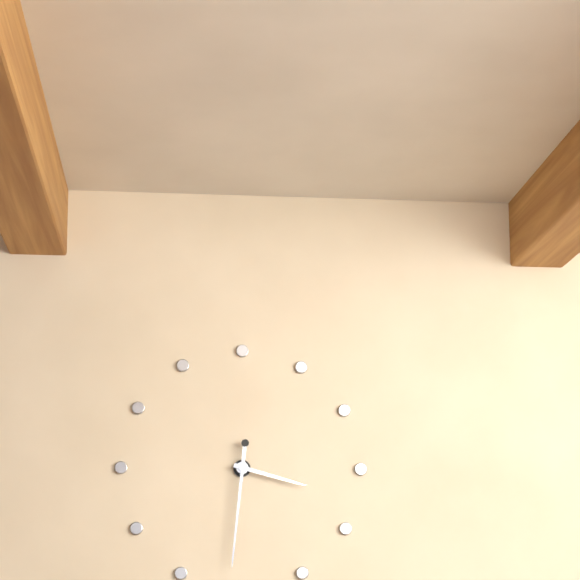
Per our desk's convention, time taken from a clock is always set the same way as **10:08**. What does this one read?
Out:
**3:31**
